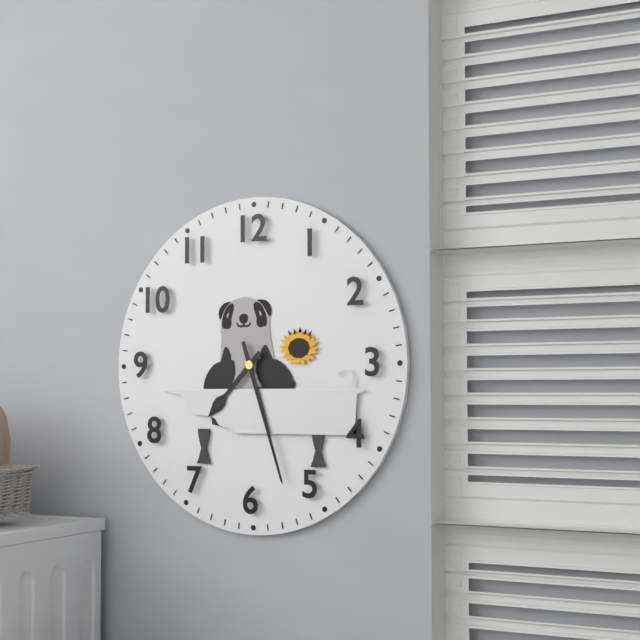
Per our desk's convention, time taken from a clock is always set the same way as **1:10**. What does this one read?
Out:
**7:27**
